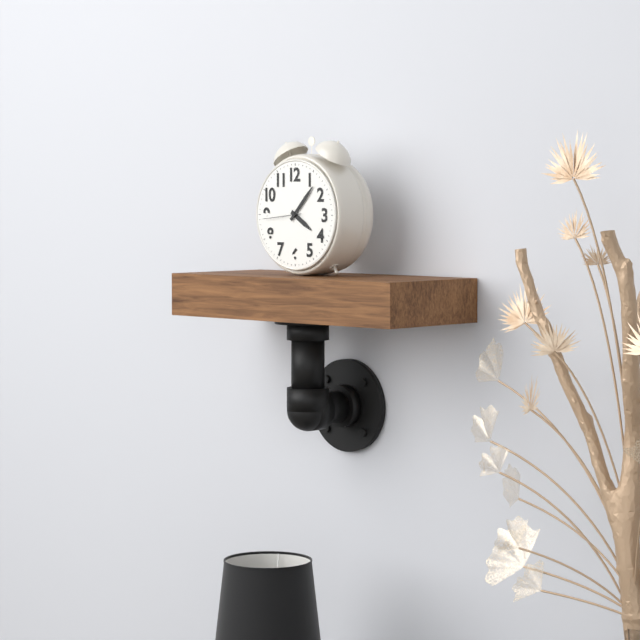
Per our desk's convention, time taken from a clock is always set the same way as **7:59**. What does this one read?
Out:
**4:07**
